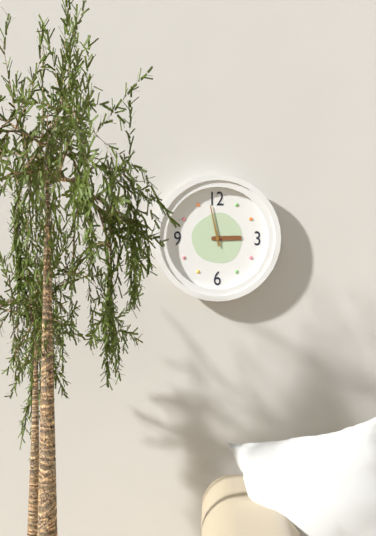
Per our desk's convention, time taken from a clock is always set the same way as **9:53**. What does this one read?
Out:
**2:58**
